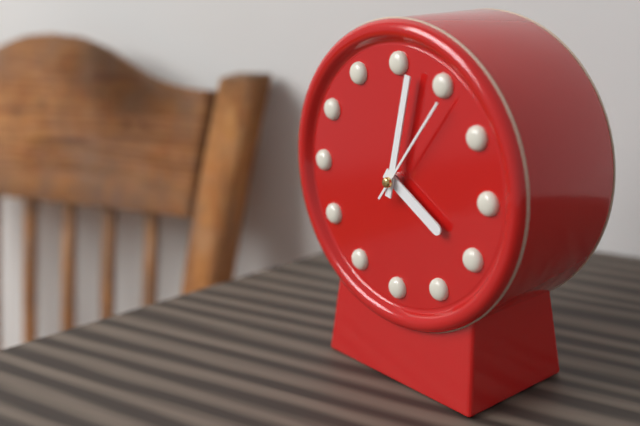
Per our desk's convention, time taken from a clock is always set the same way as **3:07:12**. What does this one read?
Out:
**4:02:06**
